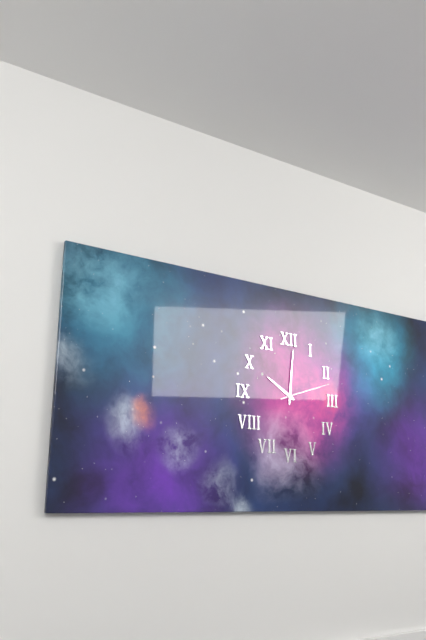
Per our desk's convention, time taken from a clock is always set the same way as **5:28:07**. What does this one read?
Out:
**10:01:12**
